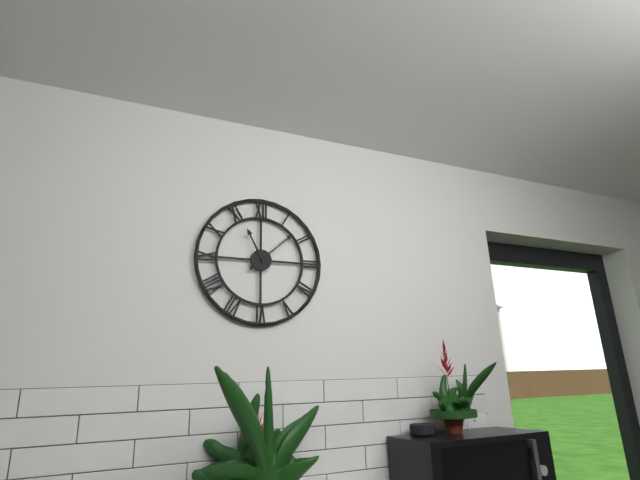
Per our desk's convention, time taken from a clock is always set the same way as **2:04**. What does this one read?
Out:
**11:08**
